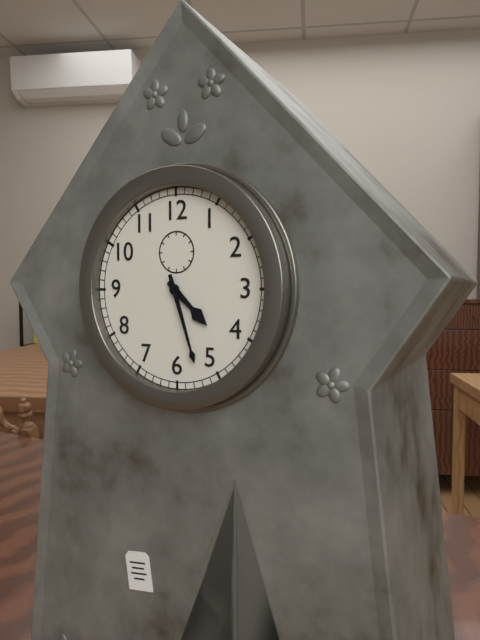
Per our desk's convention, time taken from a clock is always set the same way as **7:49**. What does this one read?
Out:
**4:27**
